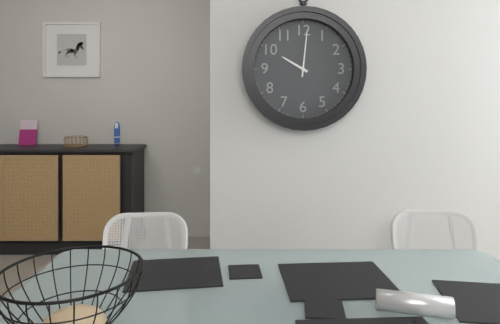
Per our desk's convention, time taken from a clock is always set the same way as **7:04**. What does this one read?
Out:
**10:01**
